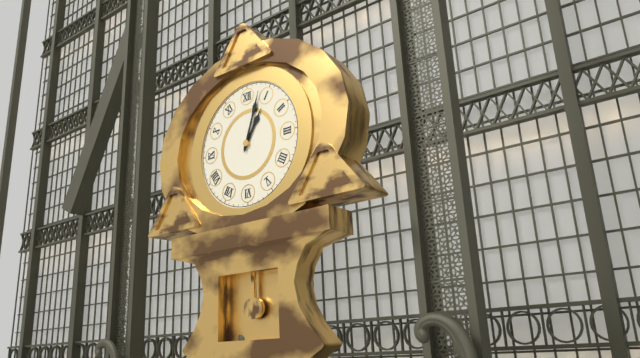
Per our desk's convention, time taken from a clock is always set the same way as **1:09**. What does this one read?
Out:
**1:03**
